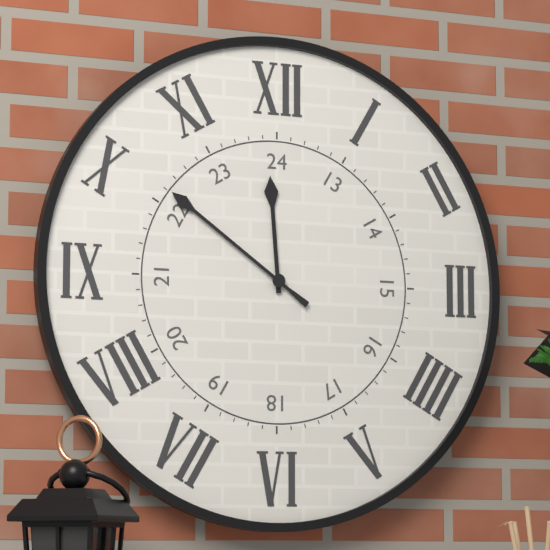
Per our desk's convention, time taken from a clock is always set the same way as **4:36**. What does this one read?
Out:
**11:51**
